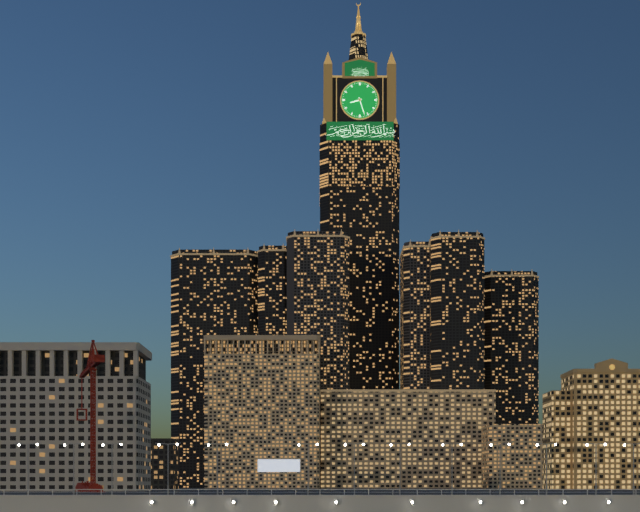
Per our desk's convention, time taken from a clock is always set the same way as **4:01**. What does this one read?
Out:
**8:27**
